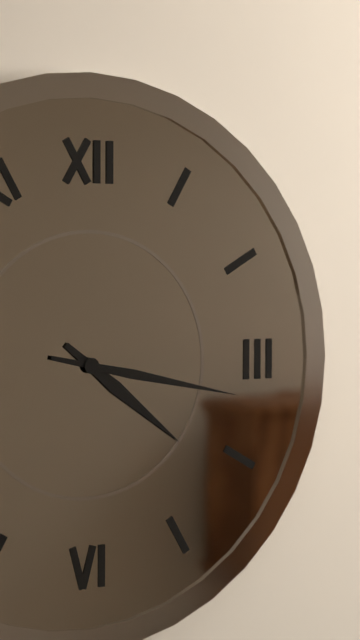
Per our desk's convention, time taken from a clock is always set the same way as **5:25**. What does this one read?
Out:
**4:17**
